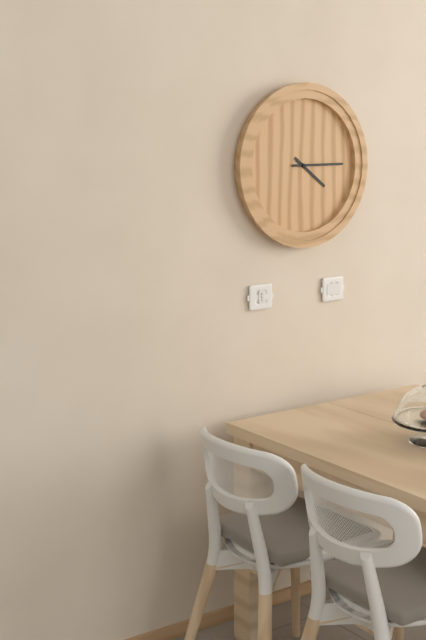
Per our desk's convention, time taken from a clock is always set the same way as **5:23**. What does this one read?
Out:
**4:15**
